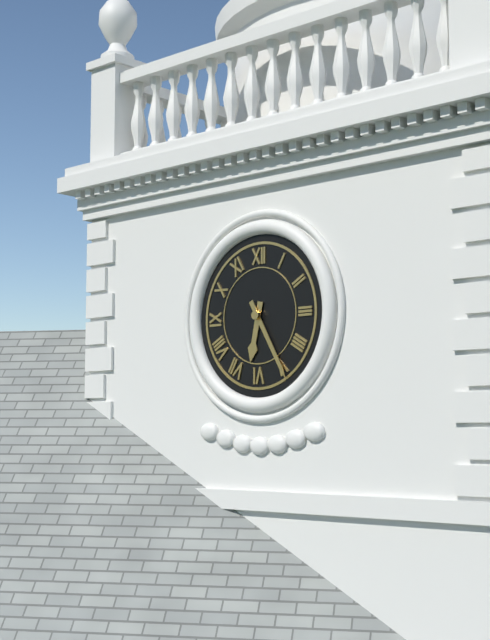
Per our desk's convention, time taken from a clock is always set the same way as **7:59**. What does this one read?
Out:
**6:25**
